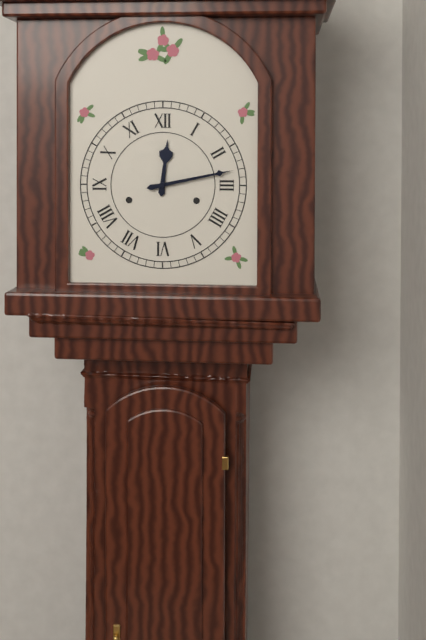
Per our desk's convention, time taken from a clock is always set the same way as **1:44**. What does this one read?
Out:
**12:13**
